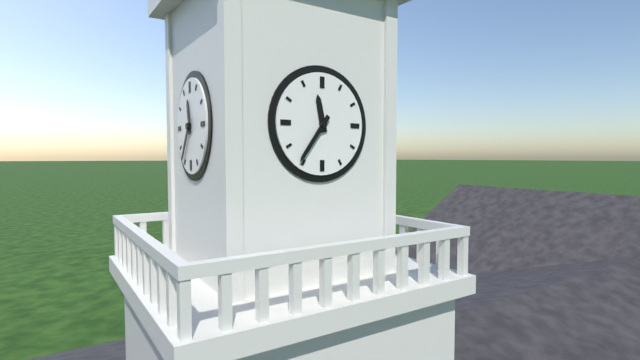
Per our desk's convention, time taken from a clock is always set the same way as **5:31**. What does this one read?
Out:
**11:36**
